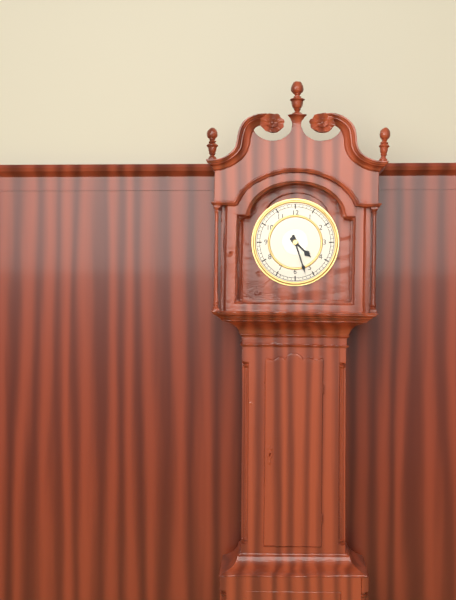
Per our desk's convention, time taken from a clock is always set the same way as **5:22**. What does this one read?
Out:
**4:27**
